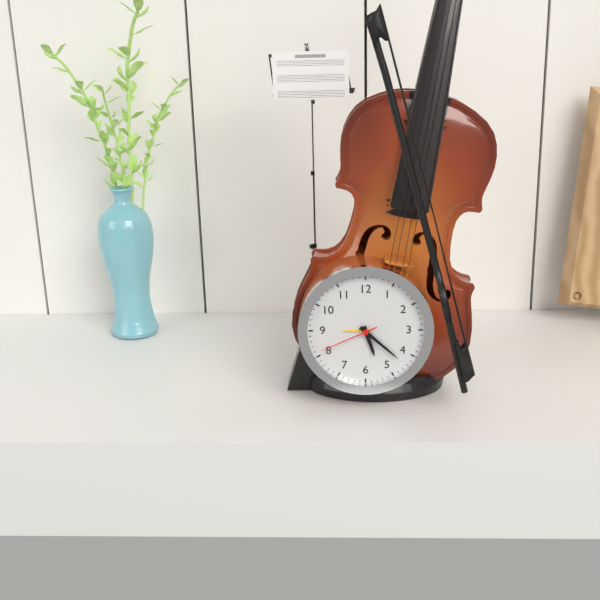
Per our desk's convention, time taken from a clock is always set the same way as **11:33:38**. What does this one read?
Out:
**5:22:41**
